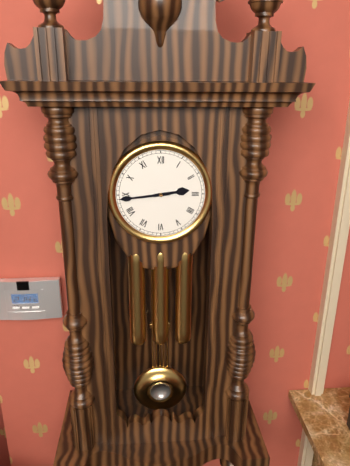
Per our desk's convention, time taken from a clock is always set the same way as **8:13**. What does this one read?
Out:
**2:44**
